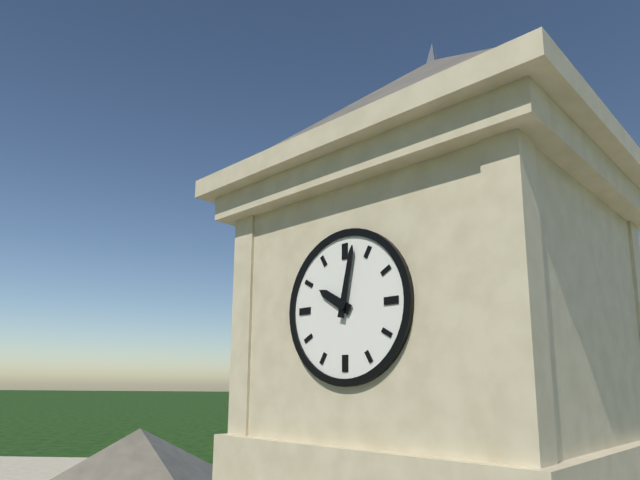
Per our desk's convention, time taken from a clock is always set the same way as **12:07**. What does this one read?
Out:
**10:02**
